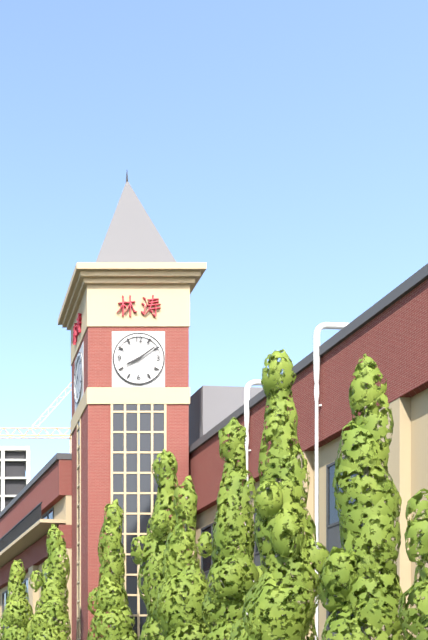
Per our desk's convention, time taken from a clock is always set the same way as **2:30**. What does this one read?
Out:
**8:09**
